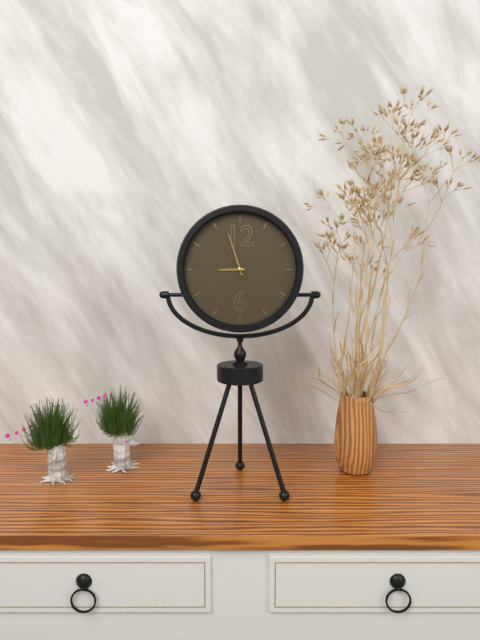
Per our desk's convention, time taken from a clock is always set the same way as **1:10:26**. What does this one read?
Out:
**8:57:55**
